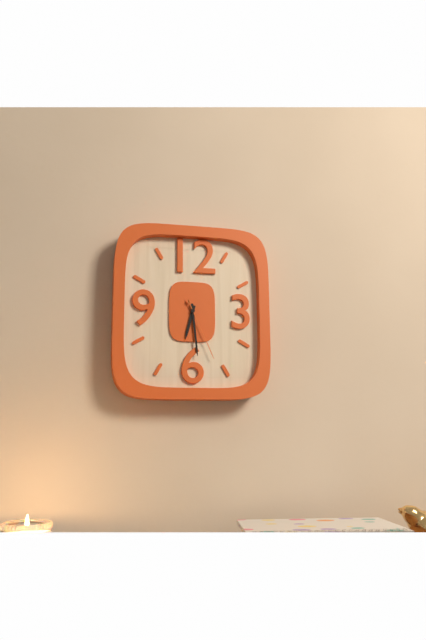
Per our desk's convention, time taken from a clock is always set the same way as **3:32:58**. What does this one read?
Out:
**6:29:26**
